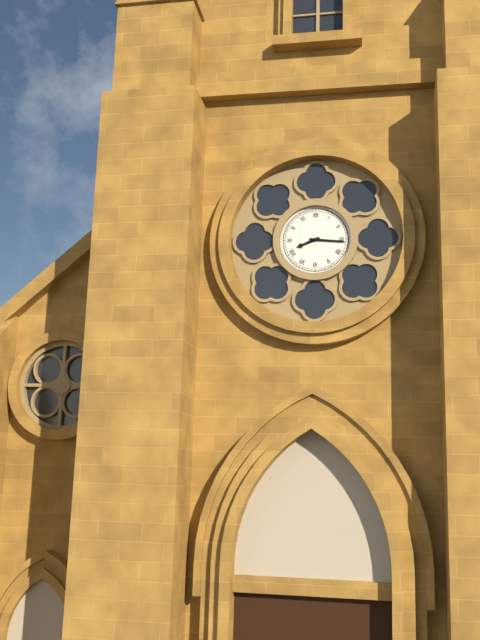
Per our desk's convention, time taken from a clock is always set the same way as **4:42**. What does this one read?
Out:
**8:16**
